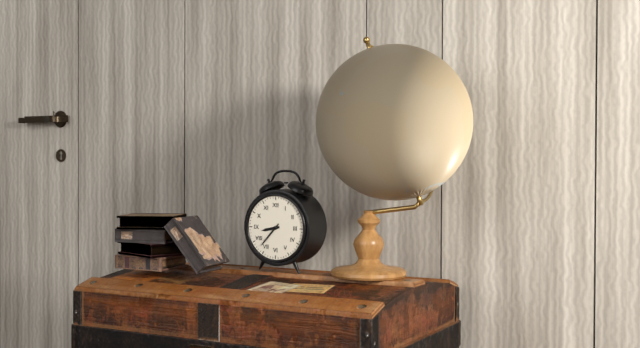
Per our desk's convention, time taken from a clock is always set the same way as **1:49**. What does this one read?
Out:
**8:37**
